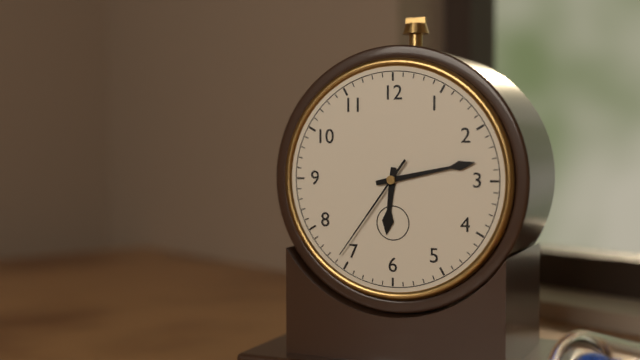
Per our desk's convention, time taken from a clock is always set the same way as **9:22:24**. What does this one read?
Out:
**6:13:36**
